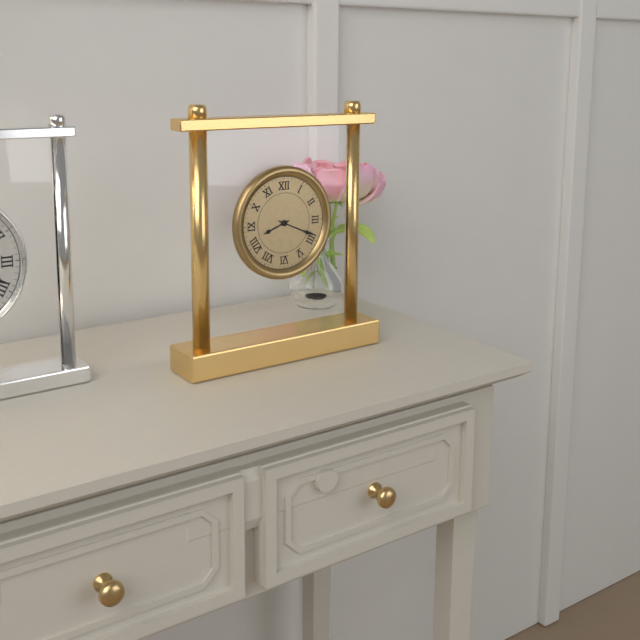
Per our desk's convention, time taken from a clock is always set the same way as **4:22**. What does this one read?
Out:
**8:19**
